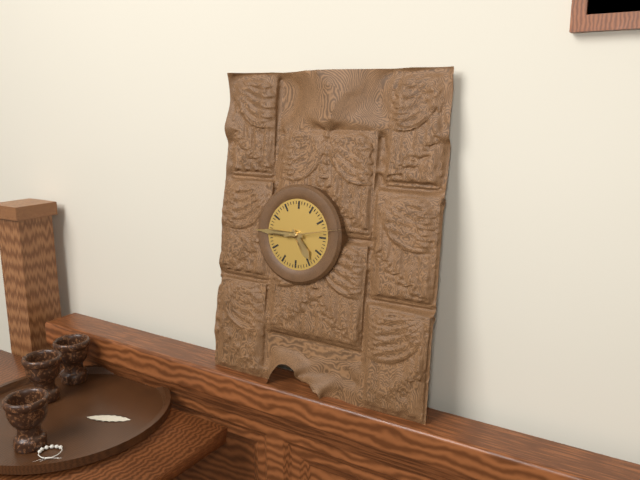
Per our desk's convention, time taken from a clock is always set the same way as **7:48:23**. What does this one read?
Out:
**4:45:13**
